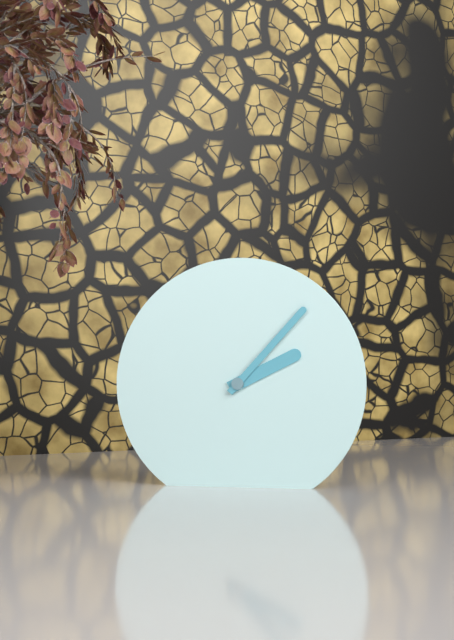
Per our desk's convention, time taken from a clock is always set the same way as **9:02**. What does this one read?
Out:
**2:07**
